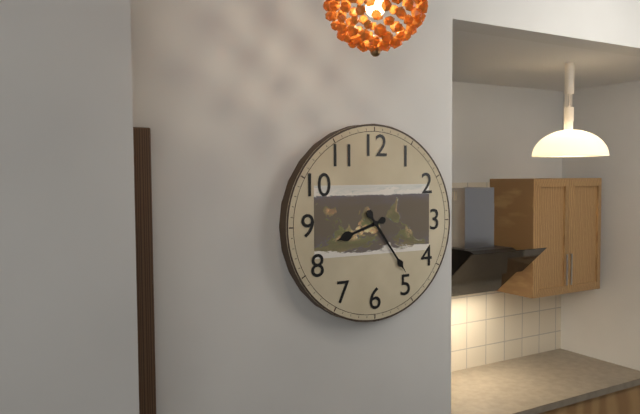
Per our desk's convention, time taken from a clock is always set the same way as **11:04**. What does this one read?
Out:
**8:24**
